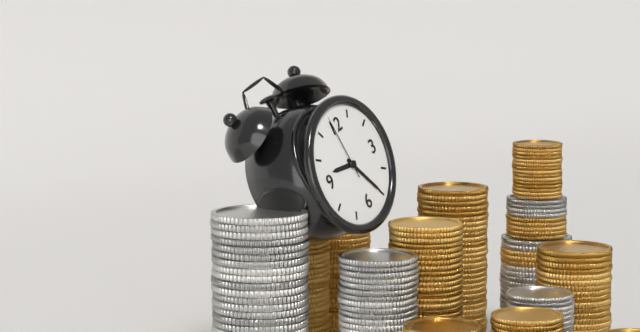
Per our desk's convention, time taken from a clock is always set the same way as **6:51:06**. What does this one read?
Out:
**9:25:59**
